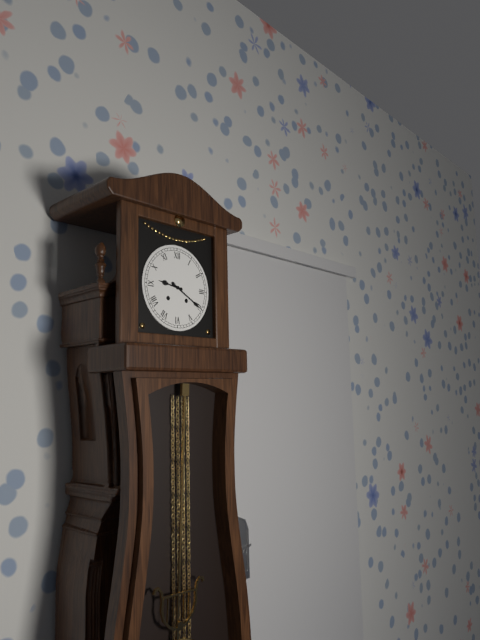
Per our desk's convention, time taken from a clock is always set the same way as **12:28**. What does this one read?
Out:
**9:20**
